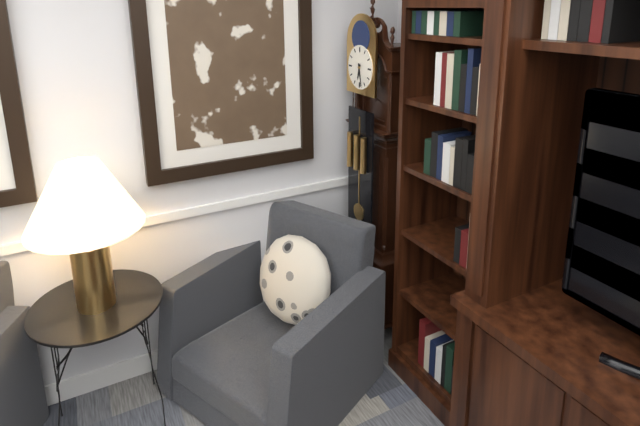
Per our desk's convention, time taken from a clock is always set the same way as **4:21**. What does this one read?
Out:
**6:28**
